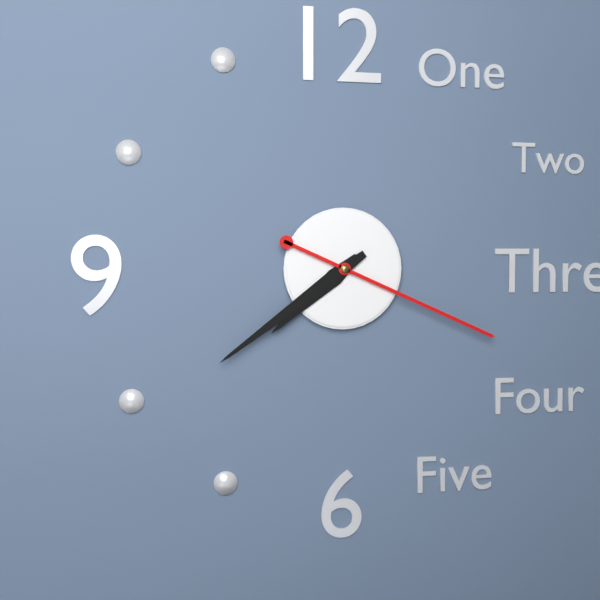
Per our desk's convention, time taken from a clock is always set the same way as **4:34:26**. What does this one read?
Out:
**7:39:19**
